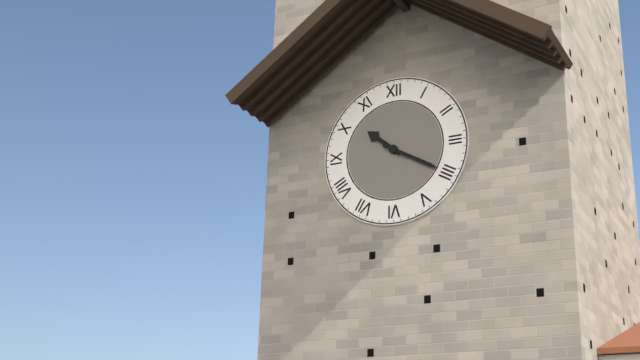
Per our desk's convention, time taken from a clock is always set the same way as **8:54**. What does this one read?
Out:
**10:20**
